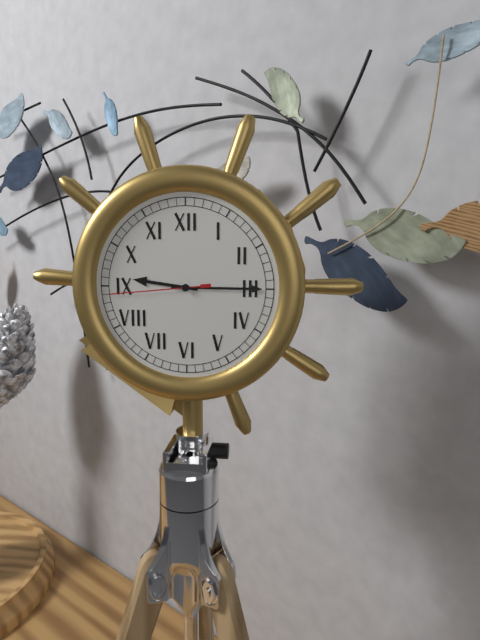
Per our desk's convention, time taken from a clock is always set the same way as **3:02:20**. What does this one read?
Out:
**9:15:44**
